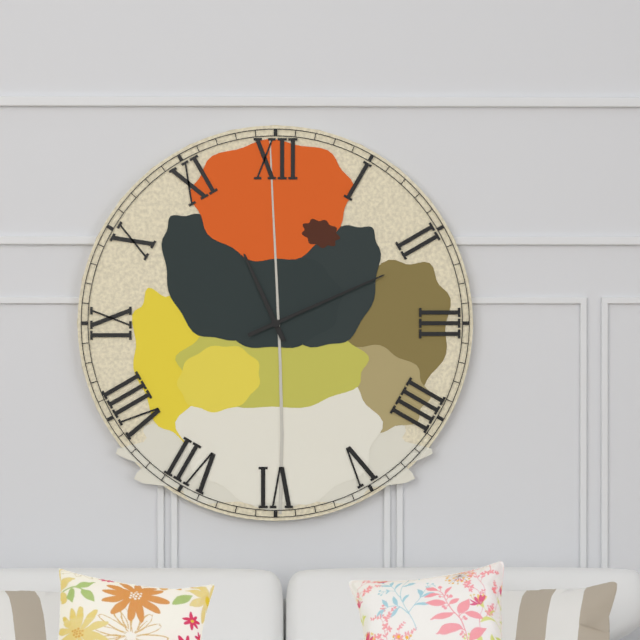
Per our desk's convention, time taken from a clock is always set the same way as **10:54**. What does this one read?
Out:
**11:11**
